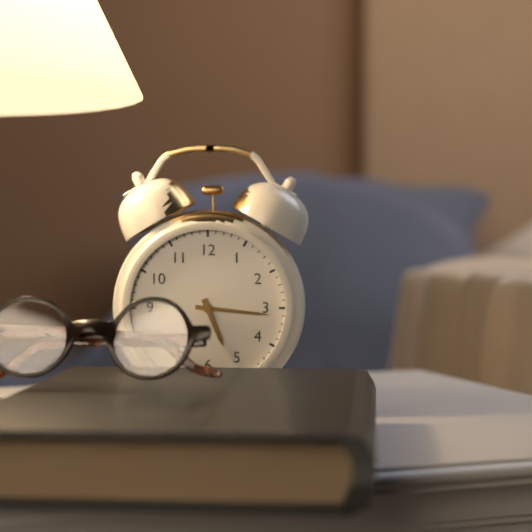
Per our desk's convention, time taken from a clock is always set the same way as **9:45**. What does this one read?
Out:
**5:16**
